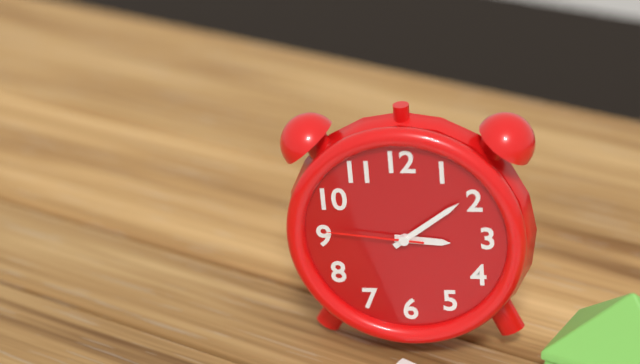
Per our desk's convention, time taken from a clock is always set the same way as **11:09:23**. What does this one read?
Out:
**3:09:46**
